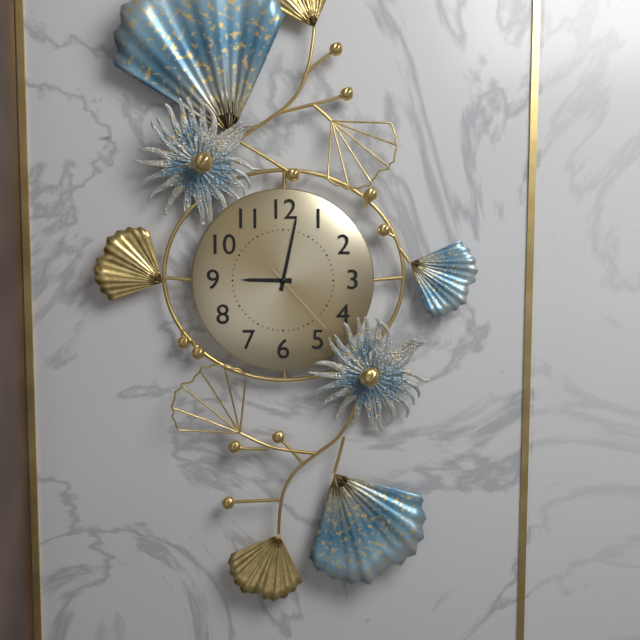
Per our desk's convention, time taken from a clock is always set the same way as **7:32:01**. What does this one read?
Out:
**9:02:23**
